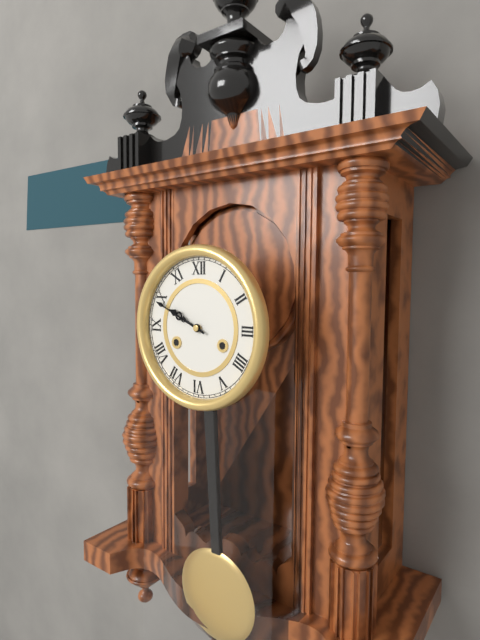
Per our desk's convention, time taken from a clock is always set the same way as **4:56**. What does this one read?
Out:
**9:49**
